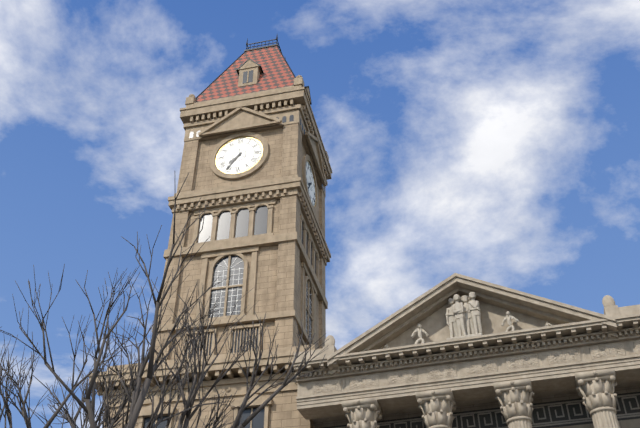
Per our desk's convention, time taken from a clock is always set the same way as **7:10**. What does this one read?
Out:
**7:36**
